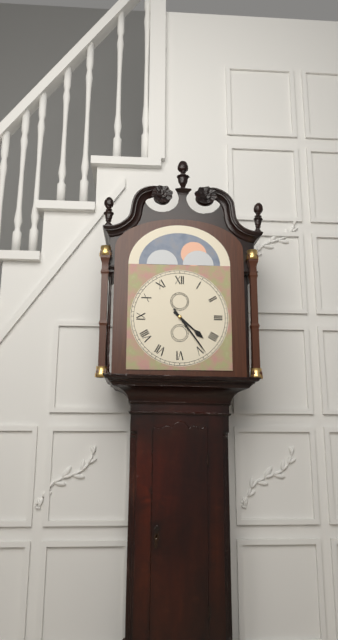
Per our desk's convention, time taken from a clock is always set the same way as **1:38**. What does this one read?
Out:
**4:24**
